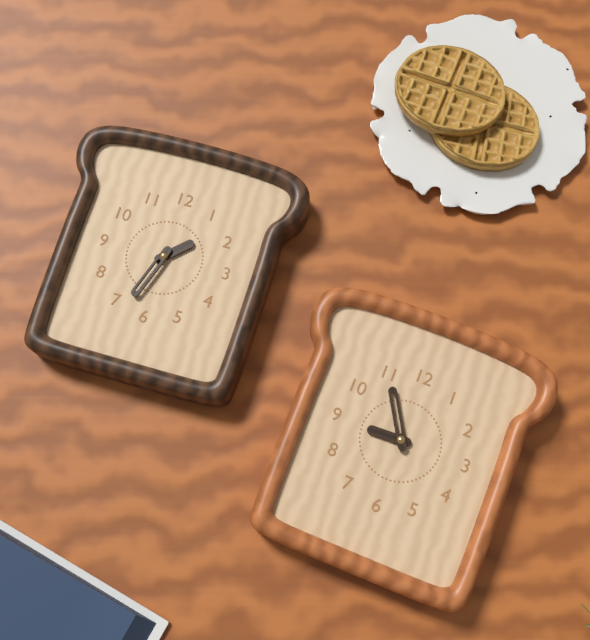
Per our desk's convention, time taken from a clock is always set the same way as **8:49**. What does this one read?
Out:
**8:55**
